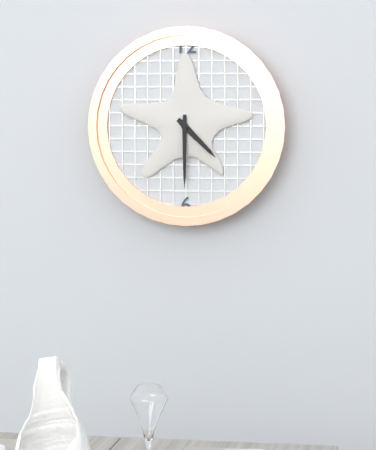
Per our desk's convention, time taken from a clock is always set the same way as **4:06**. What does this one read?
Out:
**4:30**
